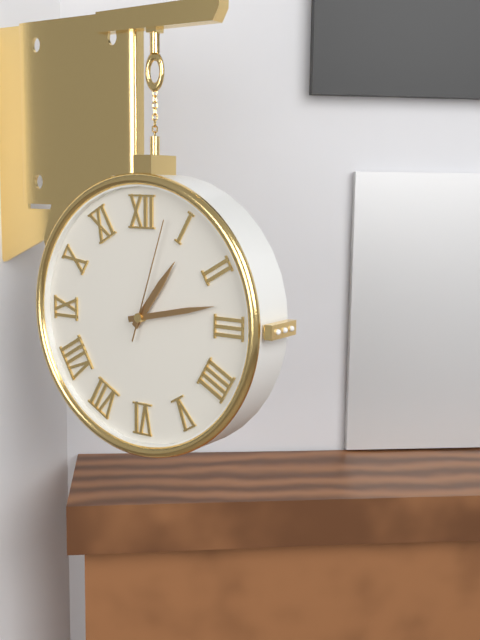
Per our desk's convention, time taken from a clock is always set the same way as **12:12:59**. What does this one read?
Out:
**1:13:03**
